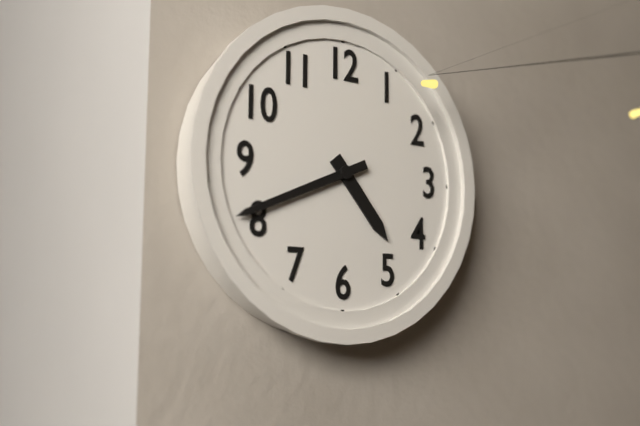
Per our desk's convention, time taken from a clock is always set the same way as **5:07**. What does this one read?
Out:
**4:41**
